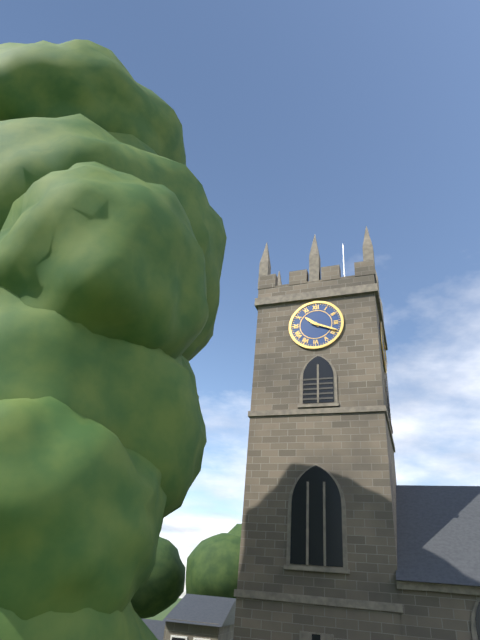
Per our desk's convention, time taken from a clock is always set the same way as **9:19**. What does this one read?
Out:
**10:19**
